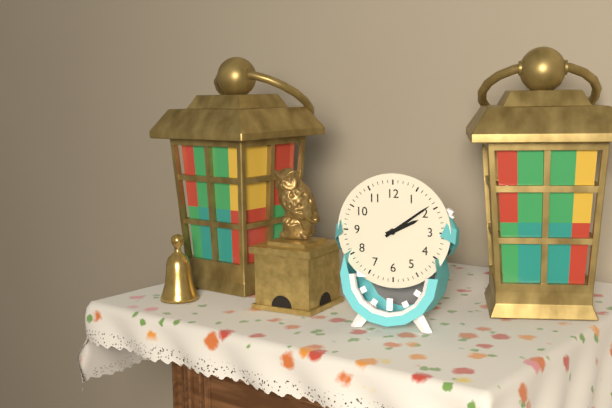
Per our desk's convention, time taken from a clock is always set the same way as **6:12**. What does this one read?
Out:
**2:09**
